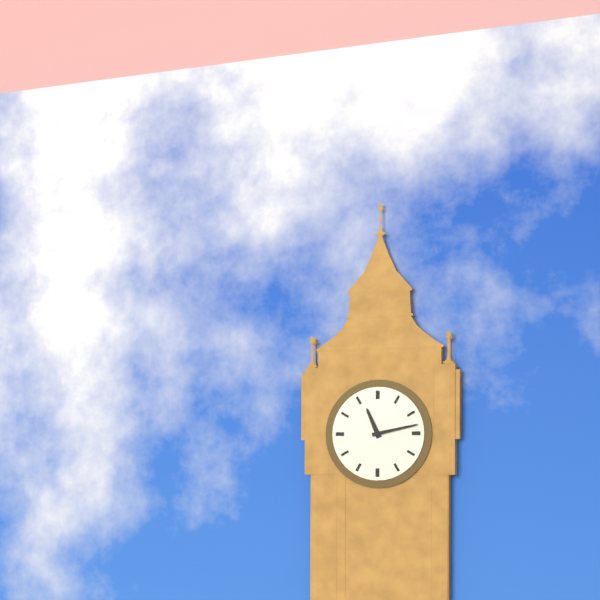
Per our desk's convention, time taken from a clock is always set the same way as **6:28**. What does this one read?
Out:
**11:13**
